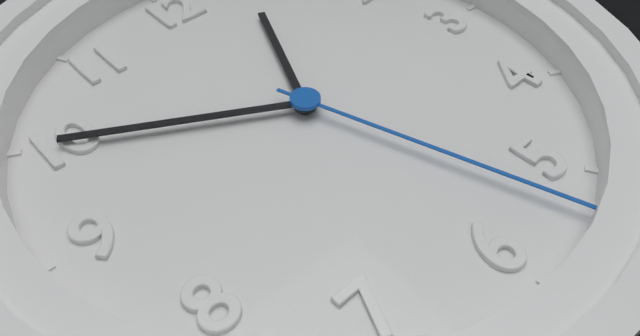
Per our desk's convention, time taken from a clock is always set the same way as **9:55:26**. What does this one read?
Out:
**12:50:27**
